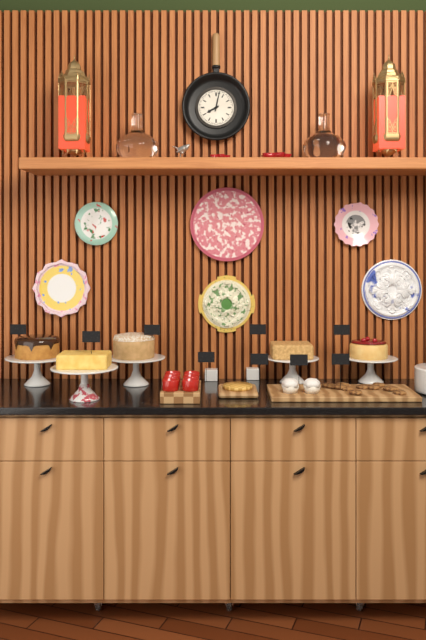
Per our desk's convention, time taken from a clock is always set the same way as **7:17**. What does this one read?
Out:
**8:02**
